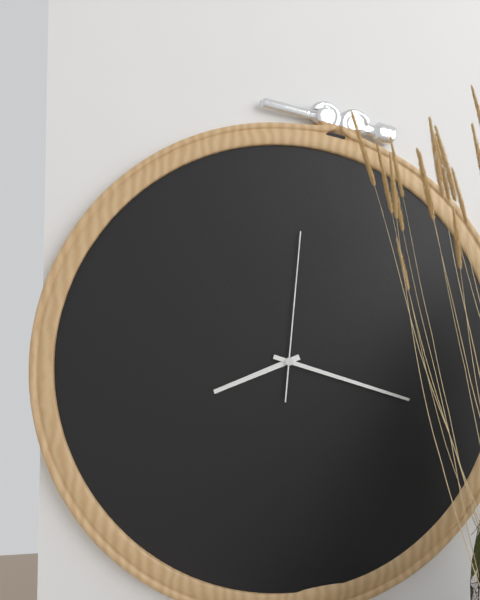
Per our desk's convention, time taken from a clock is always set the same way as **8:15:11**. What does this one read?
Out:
**8:18:01**
